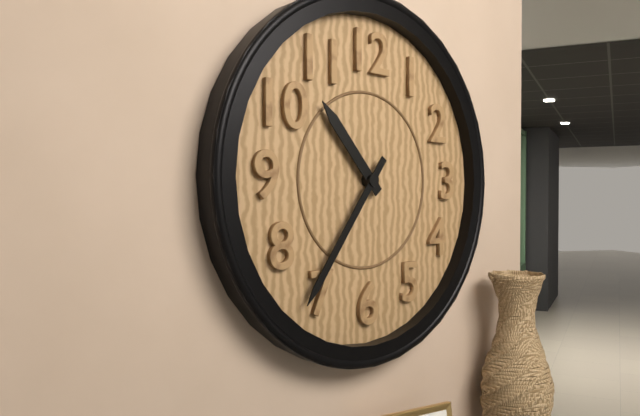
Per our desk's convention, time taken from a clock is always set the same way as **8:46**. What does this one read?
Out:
**10:36**
